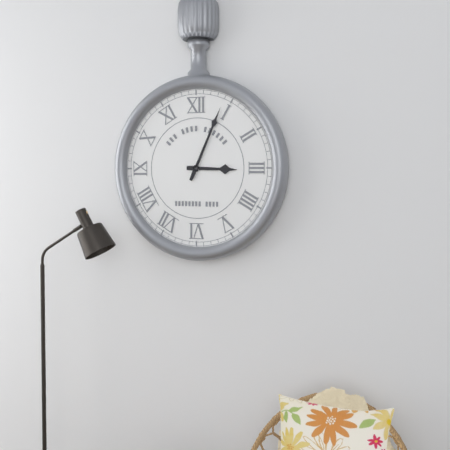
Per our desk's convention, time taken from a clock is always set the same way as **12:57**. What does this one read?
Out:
**3:04**
